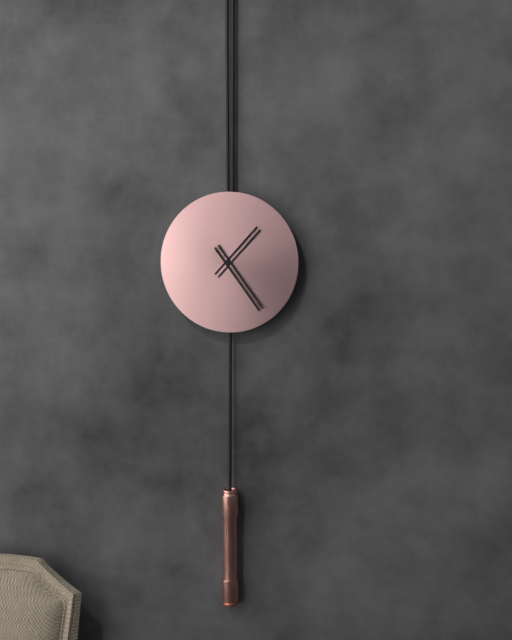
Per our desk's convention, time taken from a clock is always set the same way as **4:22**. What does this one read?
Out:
**1:24**
